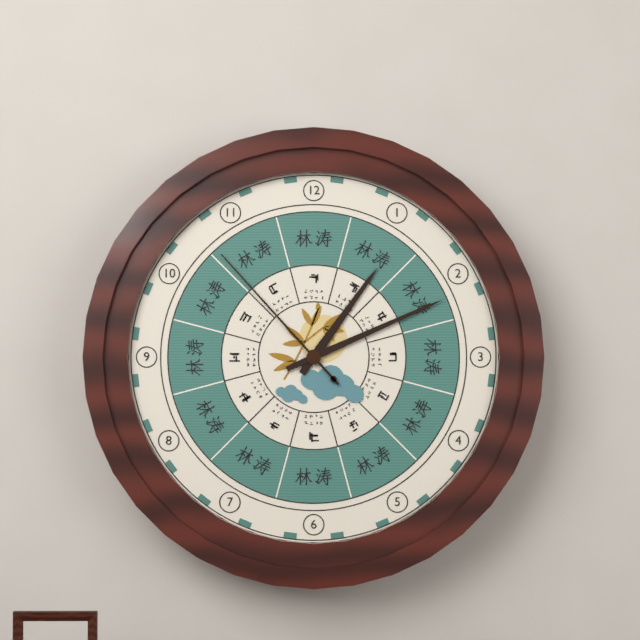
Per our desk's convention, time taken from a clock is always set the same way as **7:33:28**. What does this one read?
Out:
**1:11:53**
